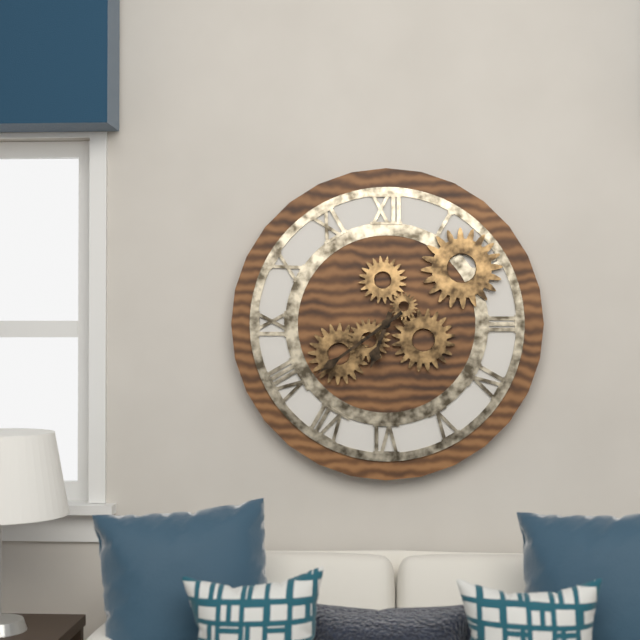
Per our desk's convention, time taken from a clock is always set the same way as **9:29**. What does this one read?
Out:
**6:39**
